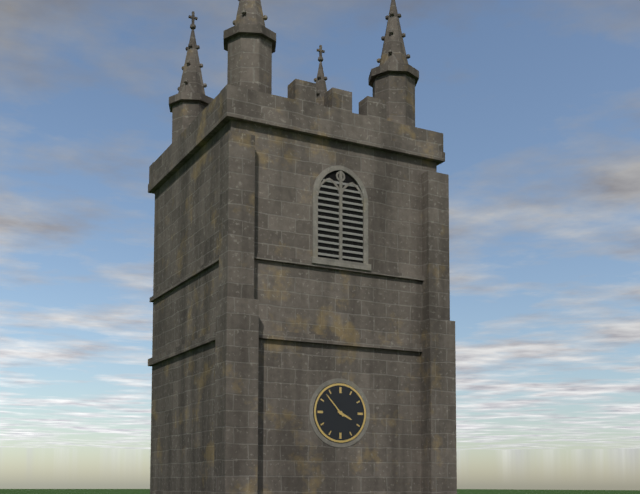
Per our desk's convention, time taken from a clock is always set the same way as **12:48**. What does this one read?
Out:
**3:53**
